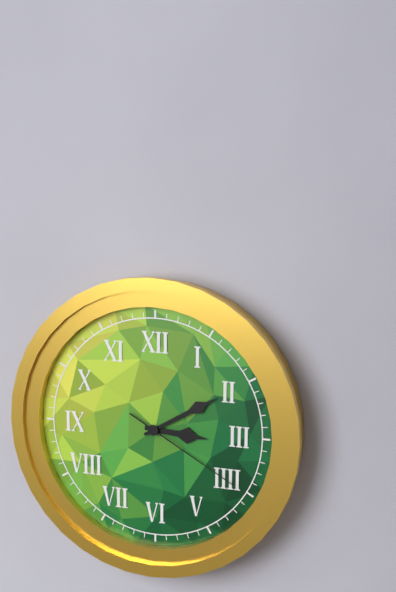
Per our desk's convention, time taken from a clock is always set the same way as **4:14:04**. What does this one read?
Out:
**3:10:20**
